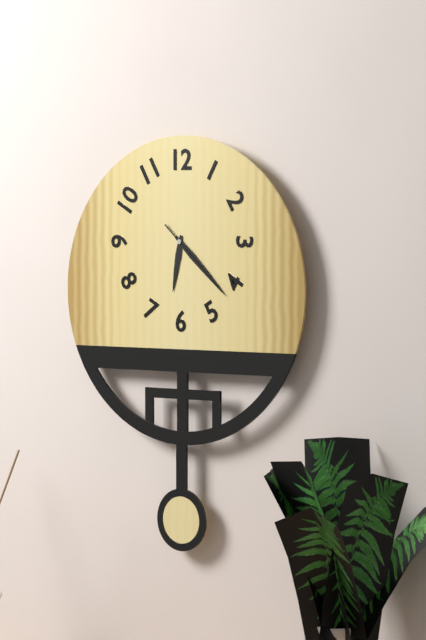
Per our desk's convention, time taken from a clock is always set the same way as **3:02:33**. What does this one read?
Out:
**6:22:22**
